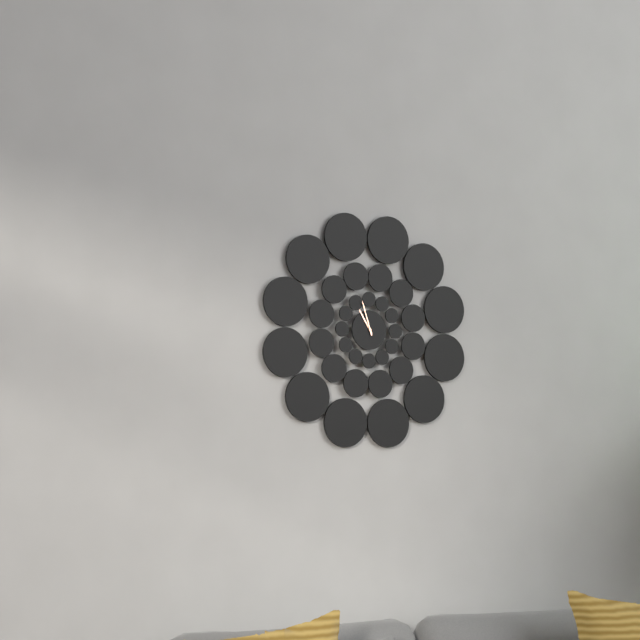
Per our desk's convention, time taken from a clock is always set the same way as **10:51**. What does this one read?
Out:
**10:57**
